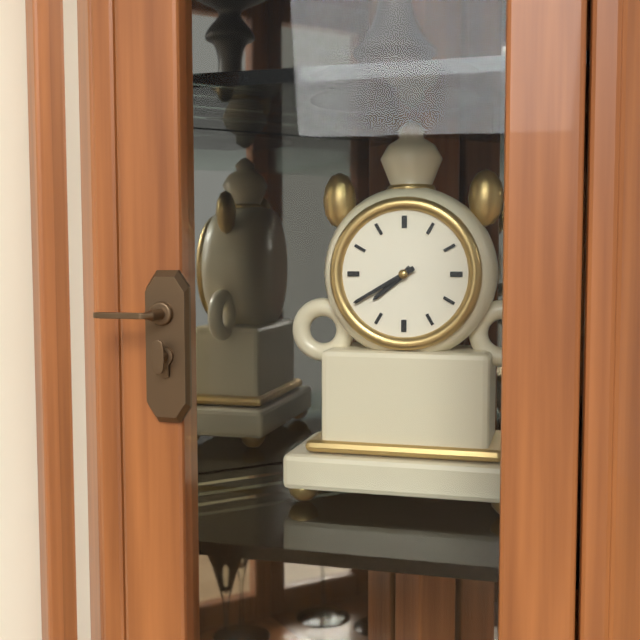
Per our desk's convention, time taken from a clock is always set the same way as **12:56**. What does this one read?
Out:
**7:40**
